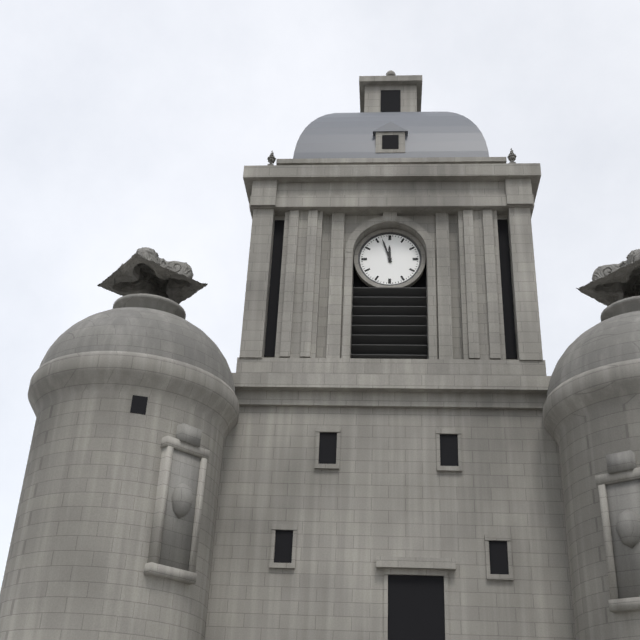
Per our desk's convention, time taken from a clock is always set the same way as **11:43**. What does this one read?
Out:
**11:57**
